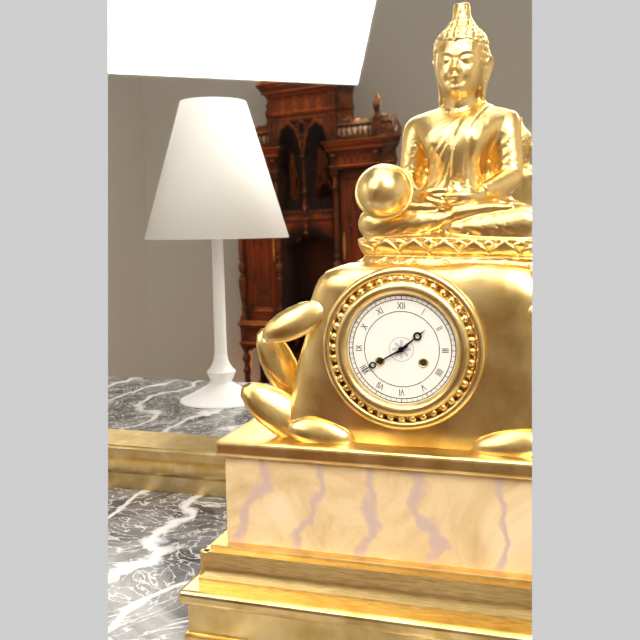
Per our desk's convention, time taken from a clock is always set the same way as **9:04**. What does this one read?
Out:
**1:40**
